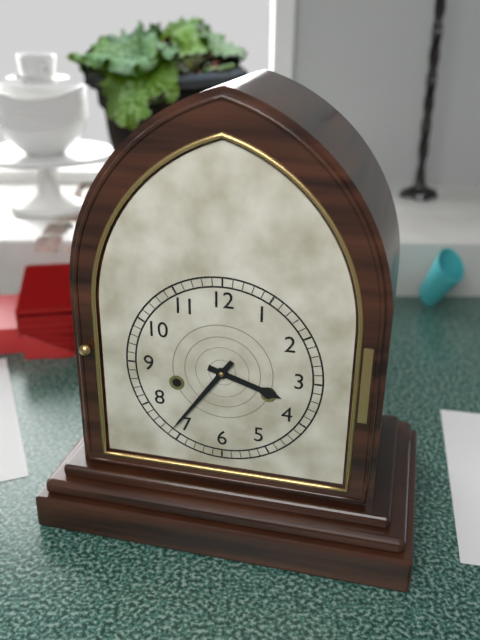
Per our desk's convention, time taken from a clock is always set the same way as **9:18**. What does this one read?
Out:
**3:36**
